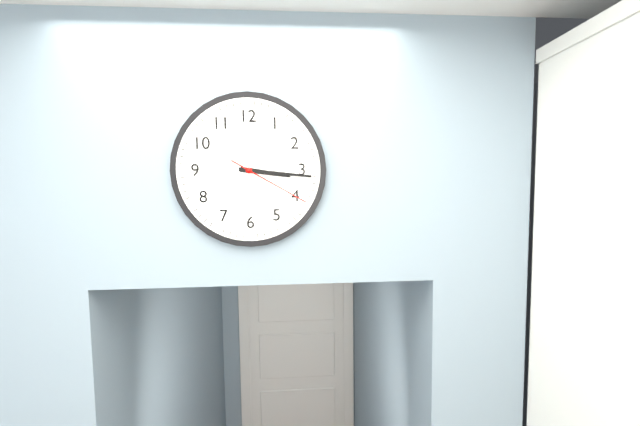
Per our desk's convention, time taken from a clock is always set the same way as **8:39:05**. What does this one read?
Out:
**3:16:20**
